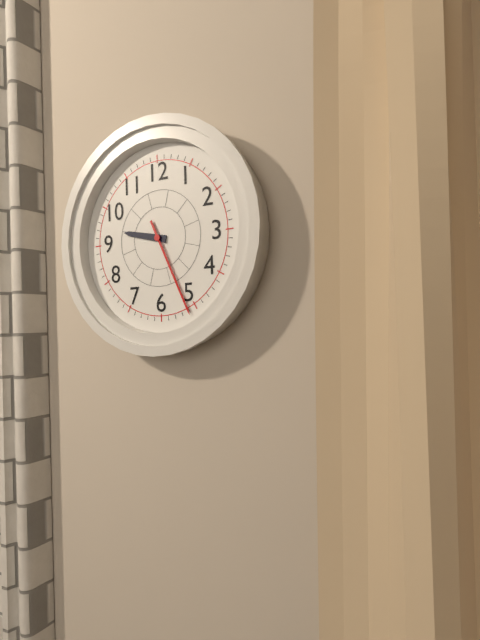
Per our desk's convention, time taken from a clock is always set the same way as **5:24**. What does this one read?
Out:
**9:26**
